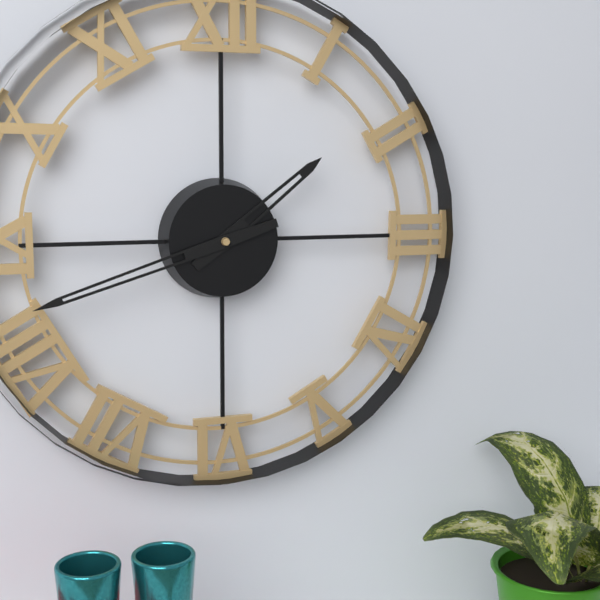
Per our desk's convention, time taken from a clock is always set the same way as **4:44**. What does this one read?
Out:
**1:42**
